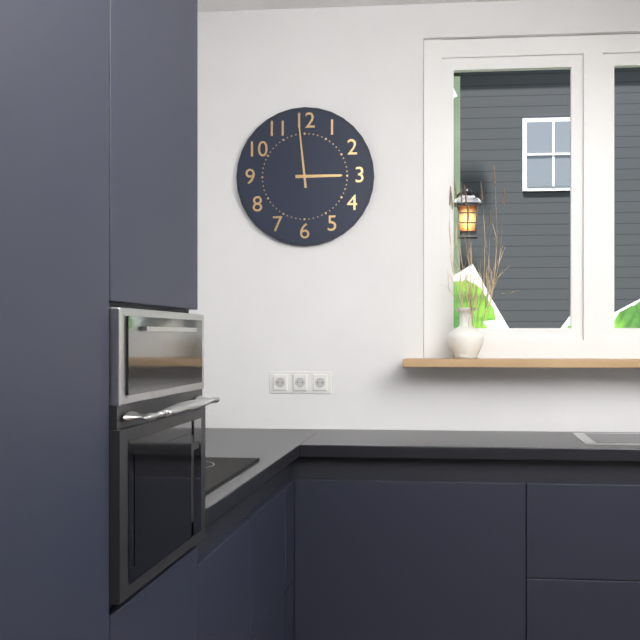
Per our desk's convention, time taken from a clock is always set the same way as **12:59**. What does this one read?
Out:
**2:59**
